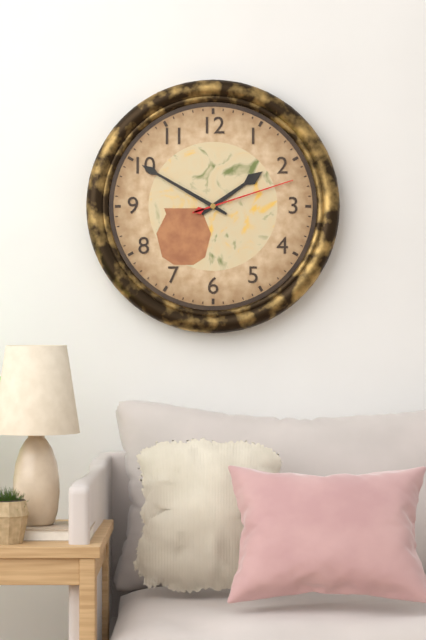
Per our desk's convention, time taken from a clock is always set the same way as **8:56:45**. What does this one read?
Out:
**1:50:12**
